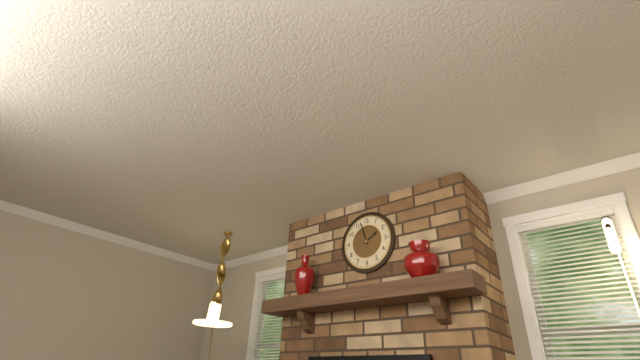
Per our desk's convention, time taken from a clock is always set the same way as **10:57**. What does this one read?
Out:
**1:57**
